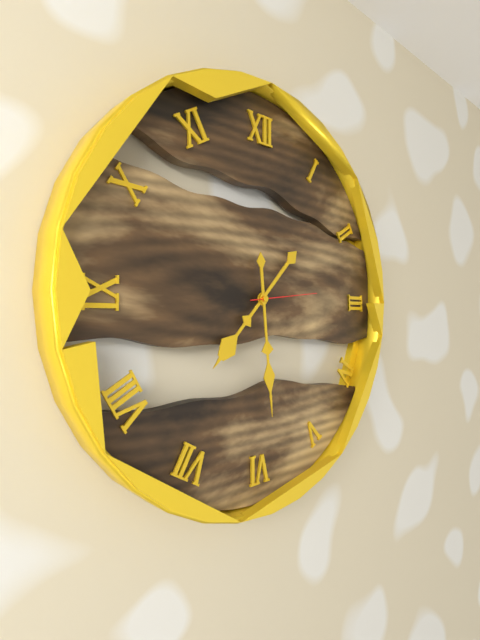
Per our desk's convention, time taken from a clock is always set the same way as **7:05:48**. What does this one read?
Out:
**7:29:14**
